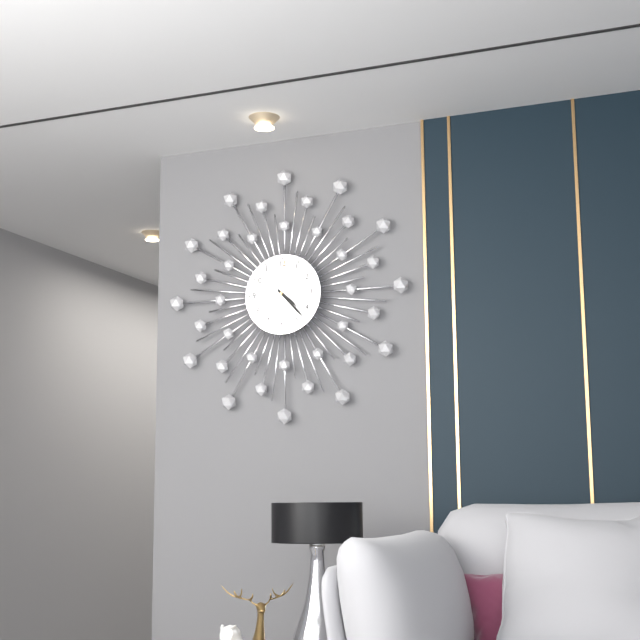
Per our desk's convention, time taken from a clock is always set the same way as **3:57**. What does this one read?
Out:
**4:23**
